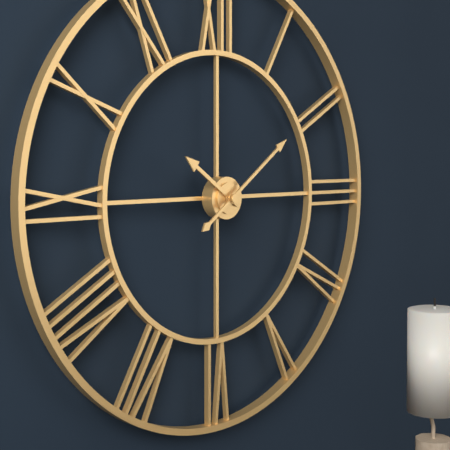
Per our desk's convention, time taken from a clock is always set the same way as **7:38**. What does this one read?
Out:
**10:09**
